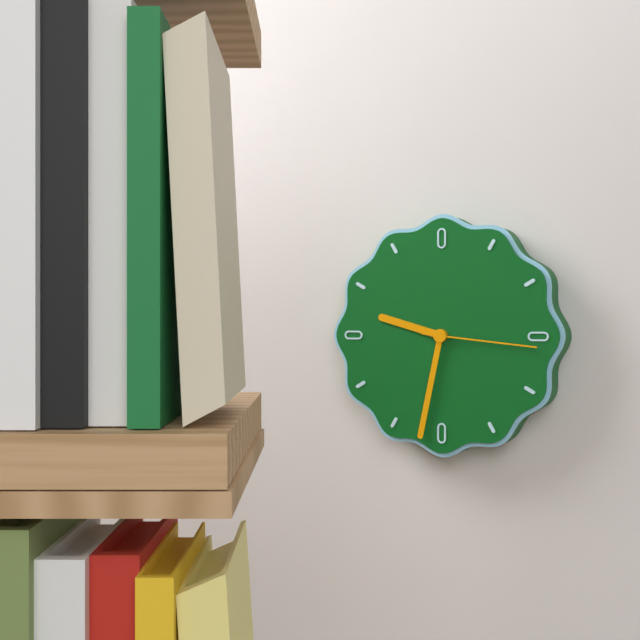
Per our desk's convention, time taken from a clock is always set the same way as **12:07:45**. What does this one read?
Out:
**9:32:16**
